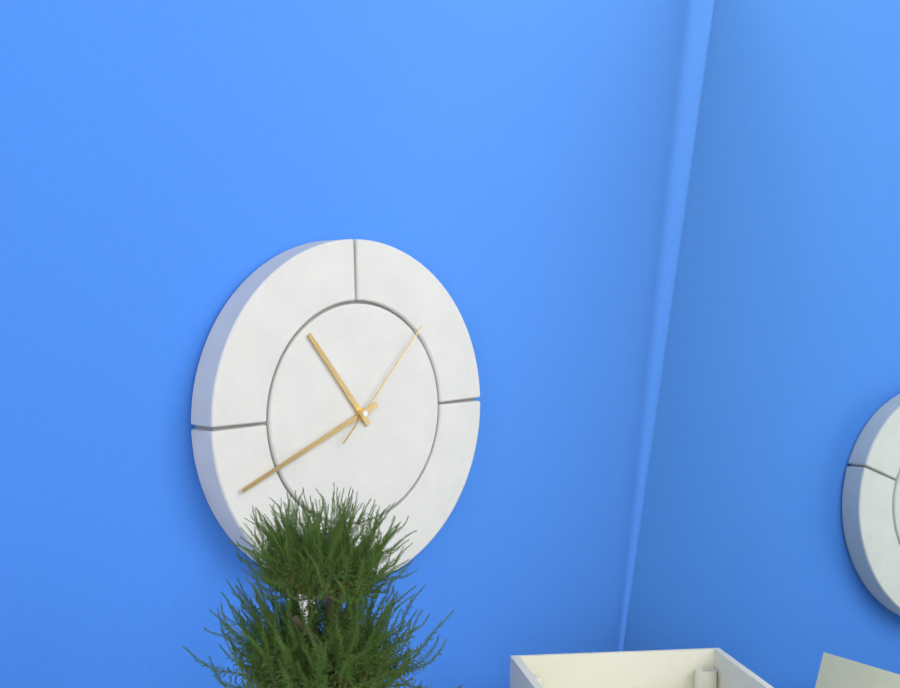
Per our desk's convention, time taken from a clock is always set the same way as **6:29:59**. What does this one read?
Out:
**10:41:07**
